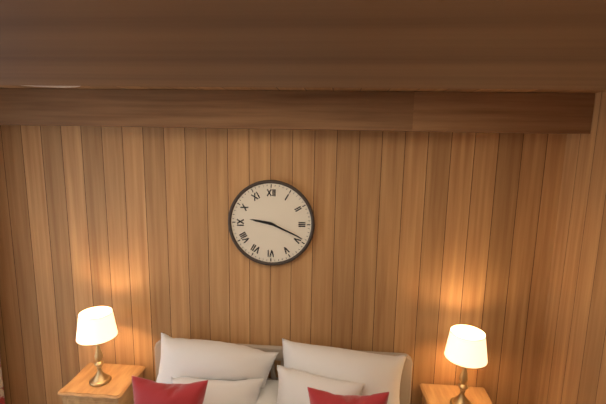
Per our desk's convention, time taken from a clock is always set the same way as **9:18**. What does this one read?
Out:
**9:19**
